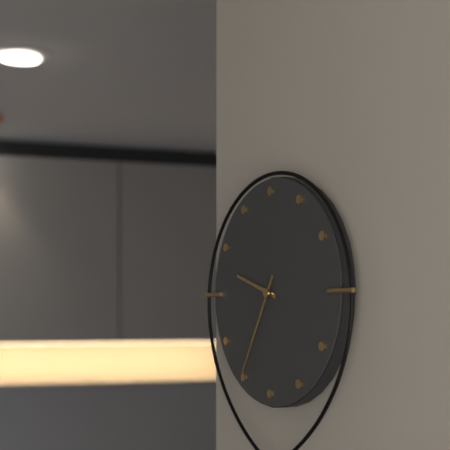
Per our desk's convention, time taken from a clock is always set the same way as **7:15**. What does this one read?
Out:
**9:35**
